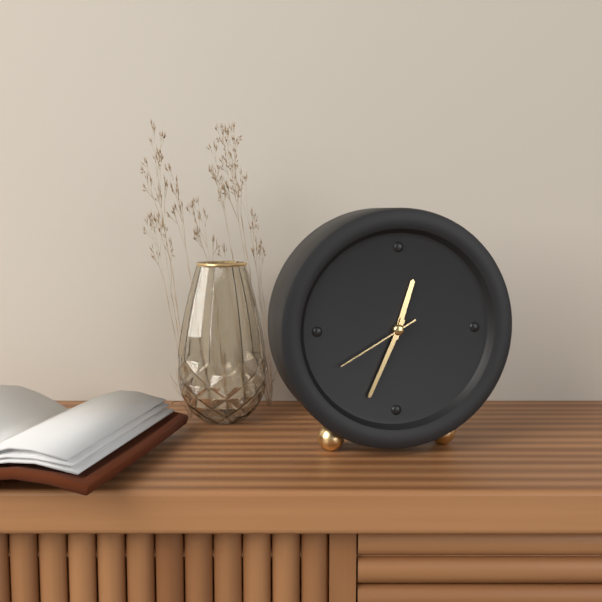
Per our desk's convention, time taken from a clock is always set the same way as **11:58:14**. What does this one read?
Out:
**12:34:40**
